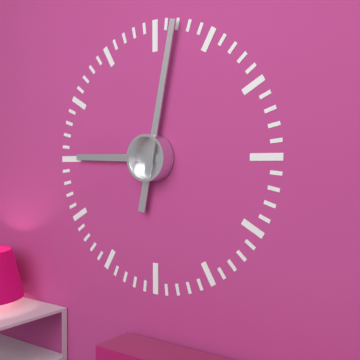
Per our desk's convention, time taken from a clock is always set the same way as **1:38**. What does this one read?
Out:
**9:02**
